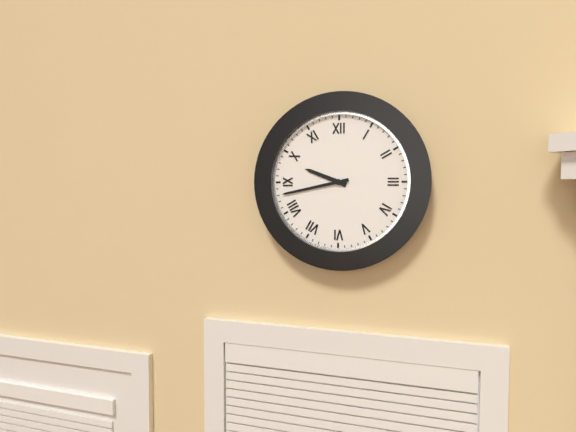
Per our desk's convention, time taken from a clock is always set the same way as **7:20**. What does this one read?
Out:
**9:43**
